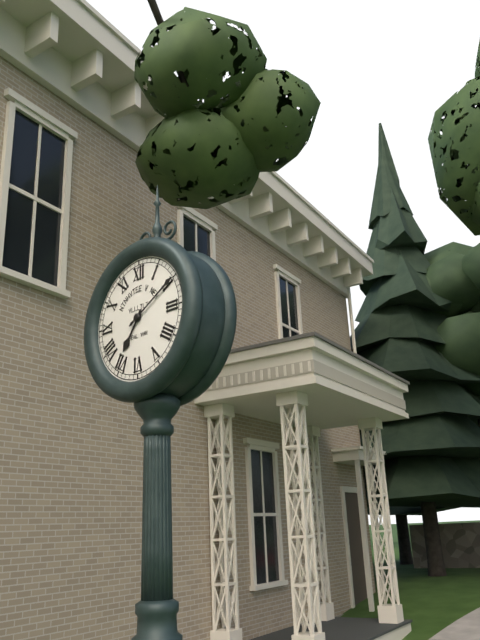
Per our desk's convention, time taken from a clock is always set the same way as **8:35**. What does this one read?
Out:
**7:10**
